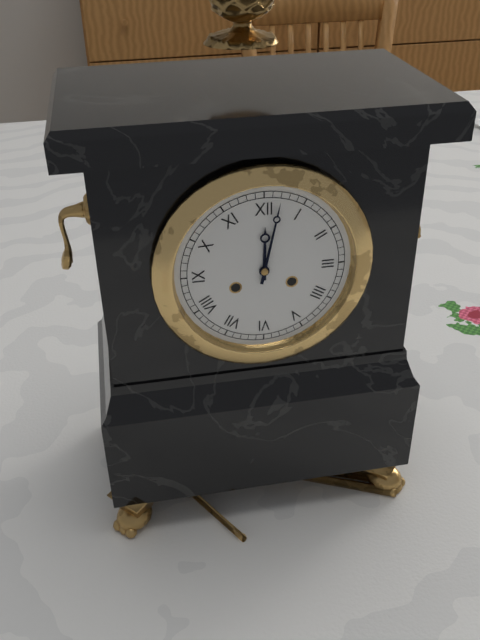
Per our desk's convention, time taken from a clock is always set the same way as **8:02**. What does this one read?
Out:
**12:02**
